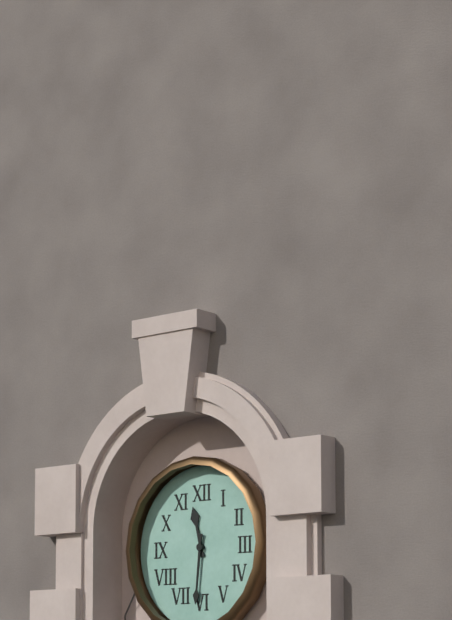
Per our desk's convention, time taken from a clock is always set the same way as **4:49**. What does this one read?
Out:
**11:31**
